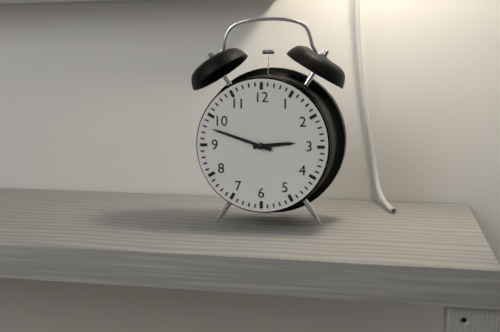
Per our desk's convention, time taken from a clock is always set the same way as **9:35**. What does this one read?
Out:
**2:48**
